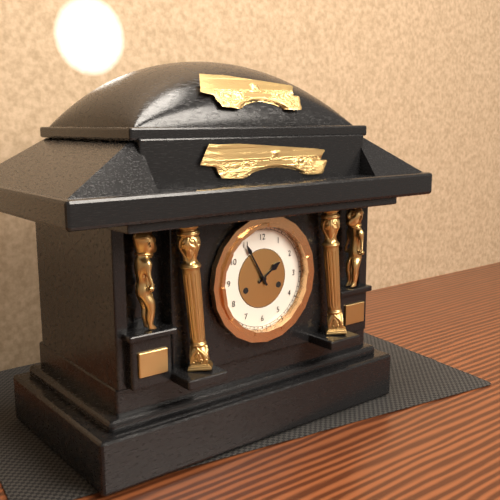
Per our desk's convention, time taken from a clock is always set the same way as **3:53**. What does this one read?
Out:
**1:55**
